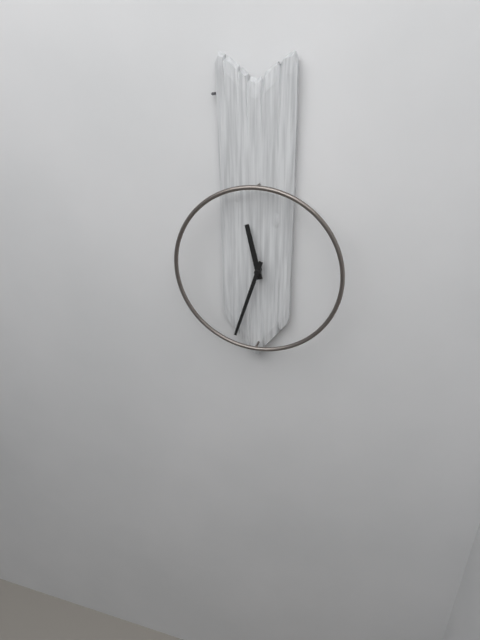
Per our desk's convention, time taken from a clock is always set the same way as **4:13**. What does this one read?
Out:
**11:33**
